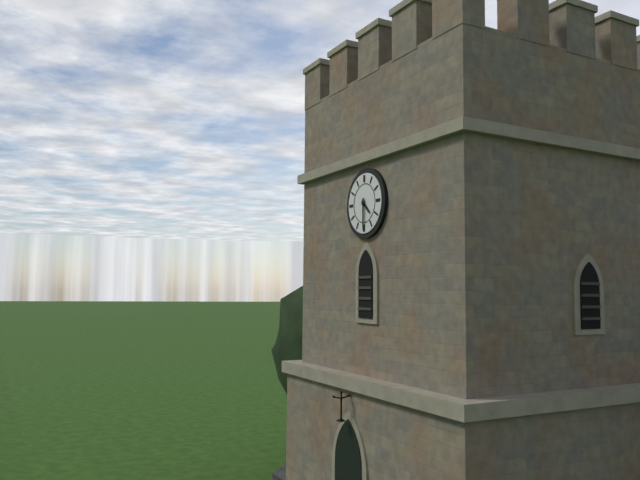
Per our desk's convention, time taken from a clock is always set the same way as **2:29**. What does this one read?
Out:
**4:30**
